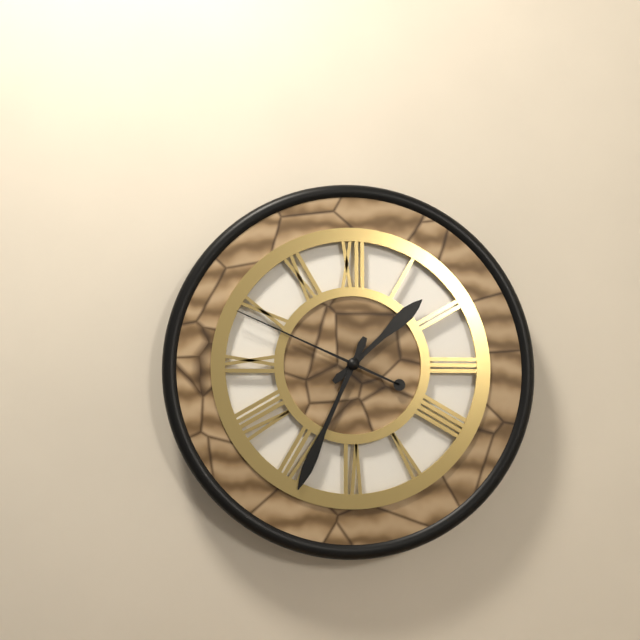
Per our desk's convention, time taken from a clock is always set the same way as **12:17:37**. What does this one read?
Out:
**1:34:49**
